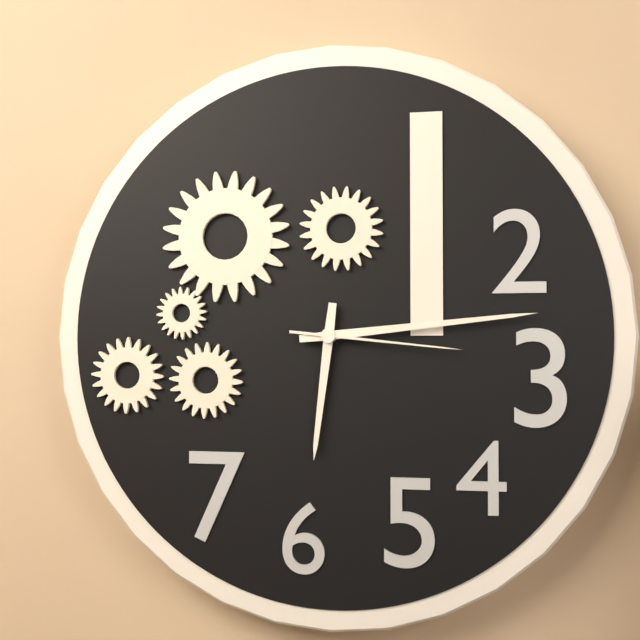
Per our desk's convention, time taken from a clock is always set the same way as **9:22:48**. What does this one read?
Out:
**6:14:16**
